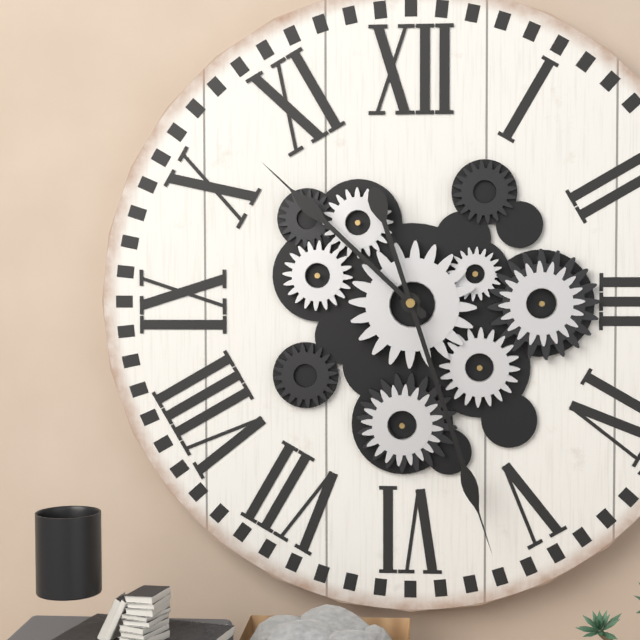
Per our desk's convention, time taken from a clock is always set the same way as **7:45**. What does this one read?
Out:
**10:27**
